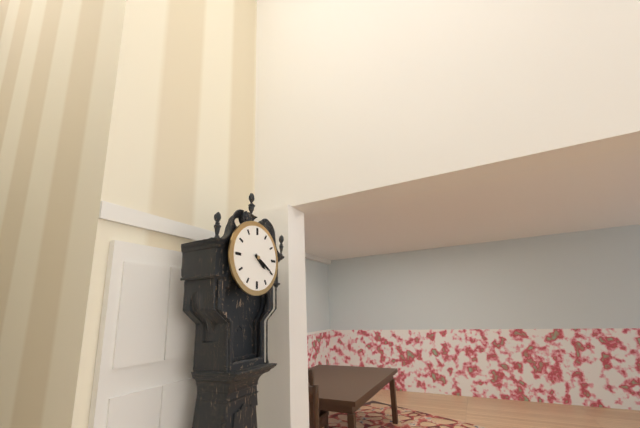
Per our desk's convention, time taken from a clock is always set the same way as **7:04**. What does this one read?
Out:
**4:20**
